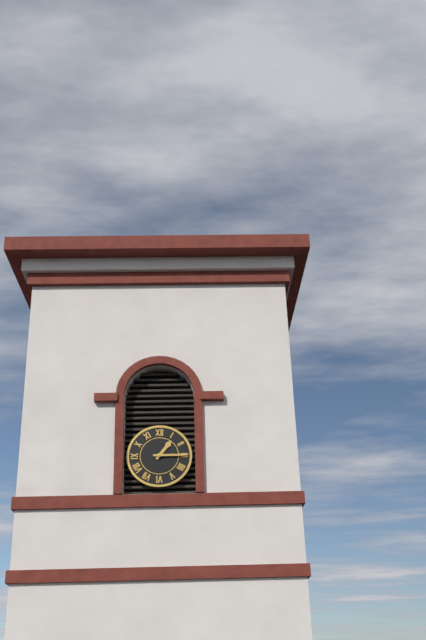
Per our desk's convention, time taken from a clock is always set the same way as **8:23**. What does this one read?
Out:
**1:15**
